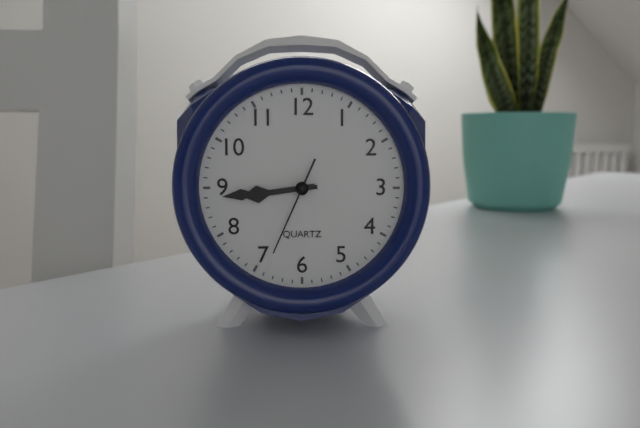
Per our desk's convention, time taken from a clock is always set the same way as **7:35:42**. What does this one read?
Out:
**8:44:34**
